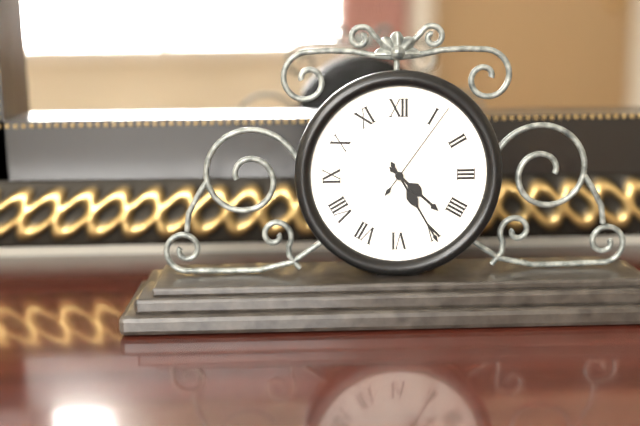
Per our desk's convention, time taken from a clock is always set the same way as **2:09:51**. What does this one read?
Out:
**4:25:06**
